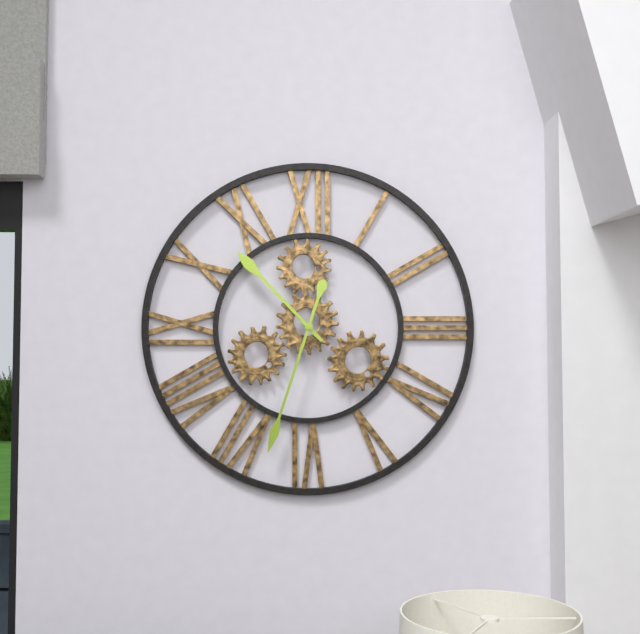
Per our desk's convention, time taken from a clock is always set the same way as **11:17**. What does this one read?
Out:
**10:33**
